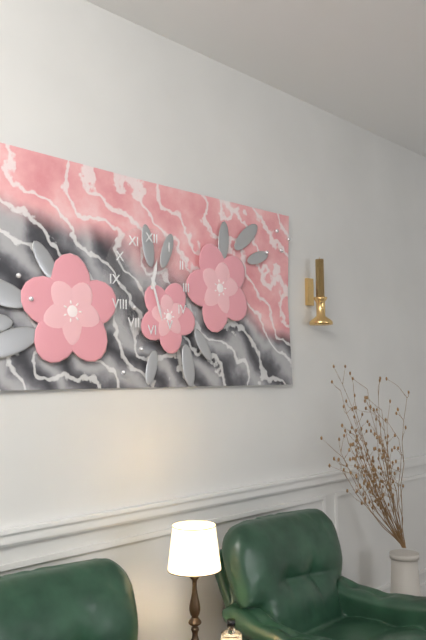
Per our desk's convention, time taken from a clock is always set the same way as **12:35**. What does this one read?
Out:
**12:27**
